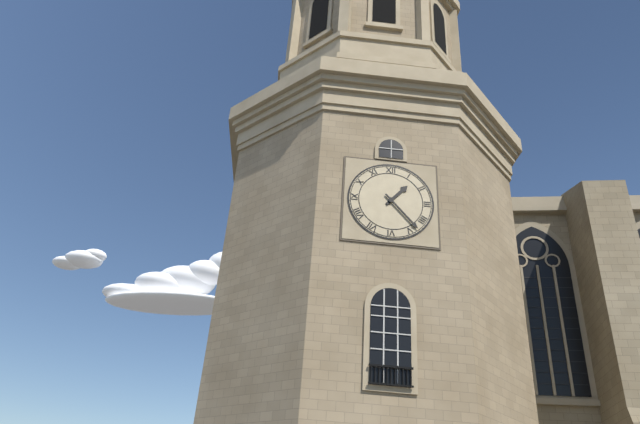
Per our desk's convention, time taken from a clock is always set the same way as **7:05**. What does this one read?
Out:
**1:23**
